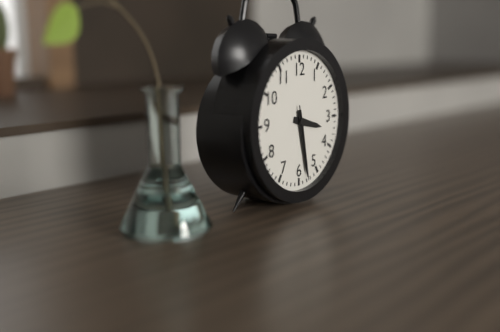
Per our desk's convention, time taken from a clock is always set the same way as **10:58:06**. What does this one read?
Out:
**3:28:28**
